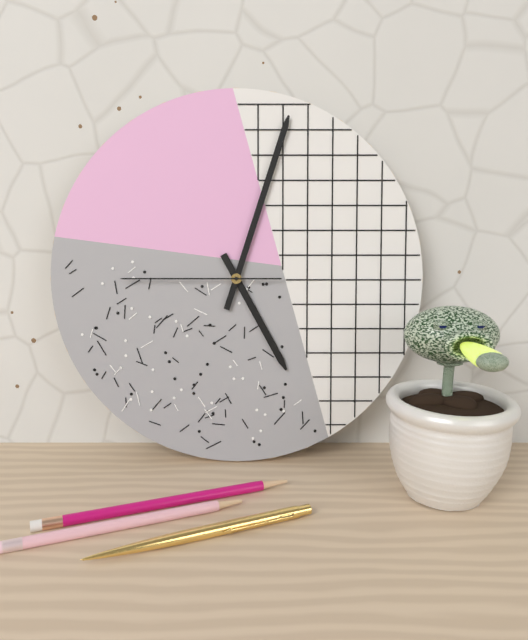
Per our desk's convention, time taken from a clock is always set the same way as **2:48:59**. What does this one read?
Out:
**5:03:45**
